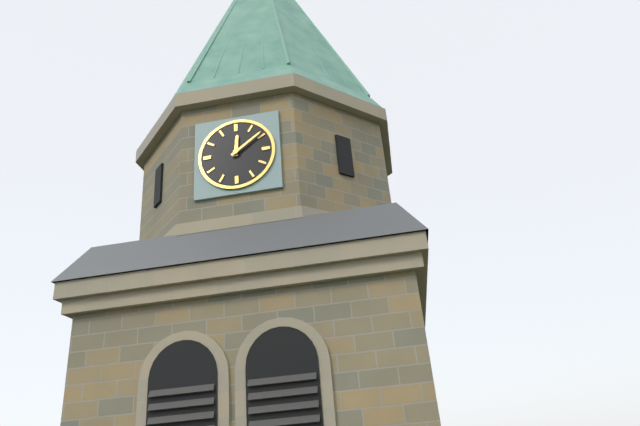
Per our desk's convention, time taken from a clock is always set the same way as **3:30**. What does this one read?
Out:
**12:09**
